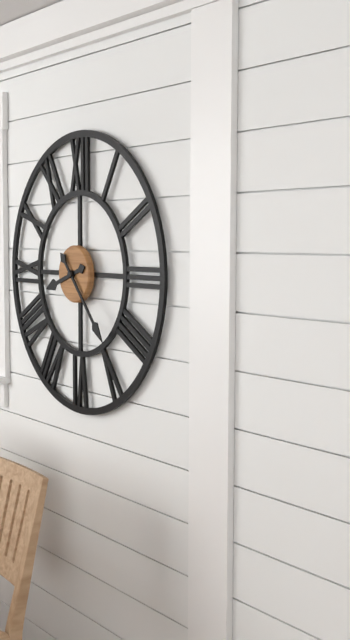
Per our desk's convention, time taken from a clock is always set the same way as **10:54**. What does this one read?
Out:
**8:23**
